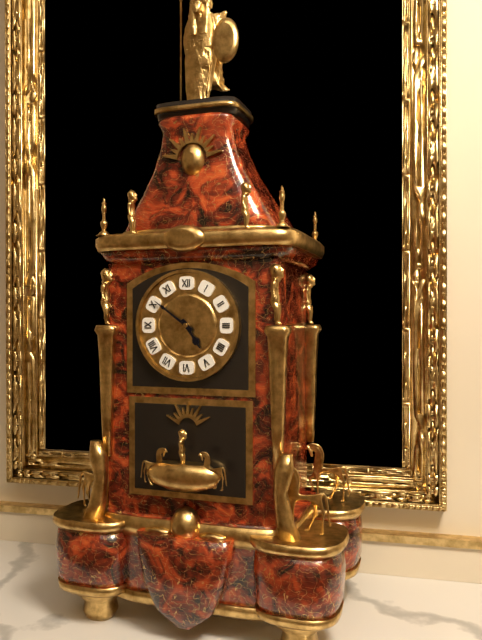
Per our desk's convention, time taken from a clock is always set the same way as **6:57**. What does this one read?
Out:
**4:51**
